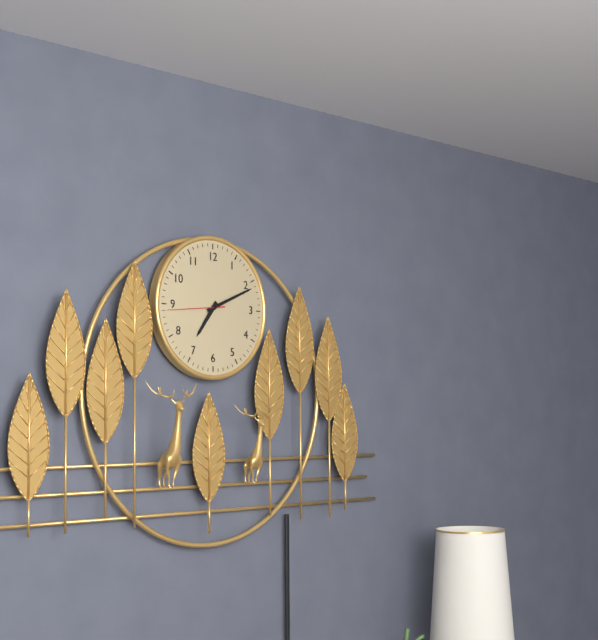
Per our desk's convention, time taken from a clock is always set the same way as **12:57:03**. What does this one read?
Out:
**7:11:44**
